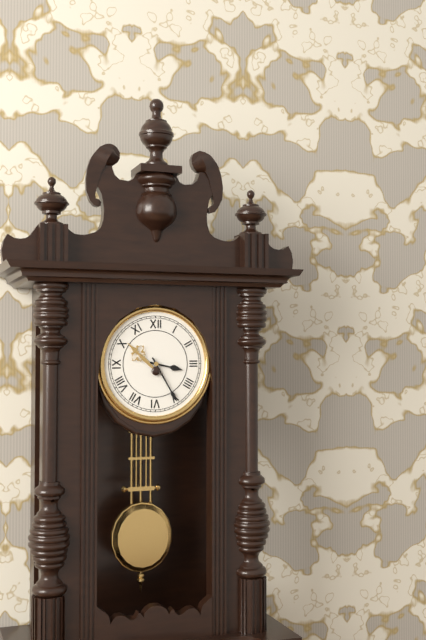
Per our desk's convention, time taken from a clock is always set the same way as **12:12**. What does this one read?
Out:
**3:25**
